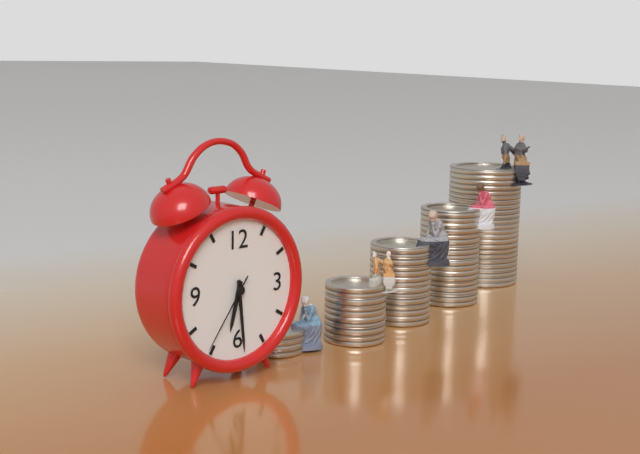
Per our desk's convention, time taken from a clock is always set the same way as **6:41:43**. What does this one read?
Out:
**6:29:36**
